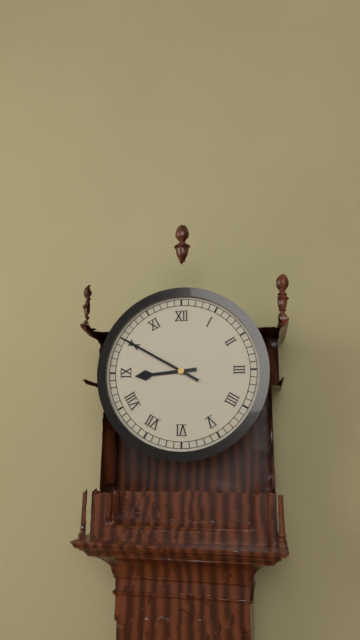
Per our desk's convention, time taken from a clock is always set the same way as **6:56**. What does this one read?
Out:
**8:50**
